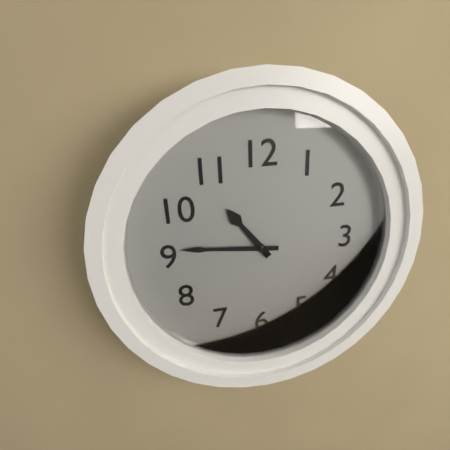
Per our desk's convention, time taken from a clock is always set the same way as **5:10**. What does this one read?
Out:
**10:46**
